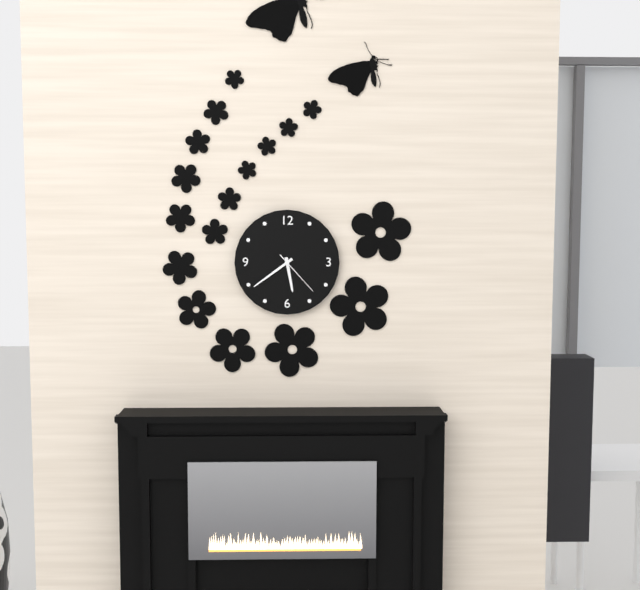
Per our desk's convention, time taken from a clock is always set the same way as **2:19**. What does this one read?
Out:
**5:39**
